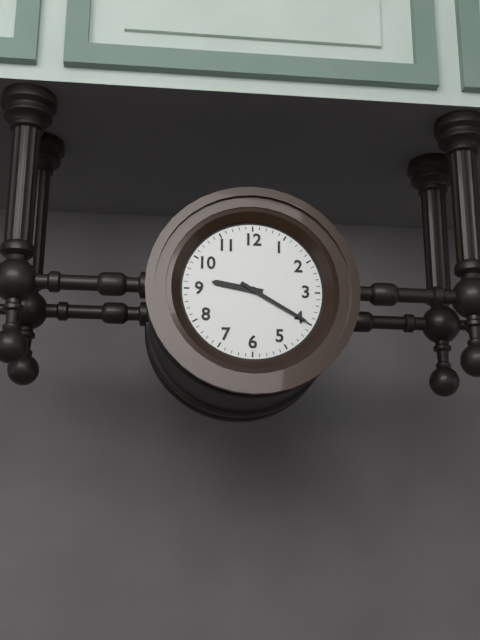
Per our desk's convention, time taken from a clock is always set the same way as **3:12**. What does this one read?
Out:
**9:20**
